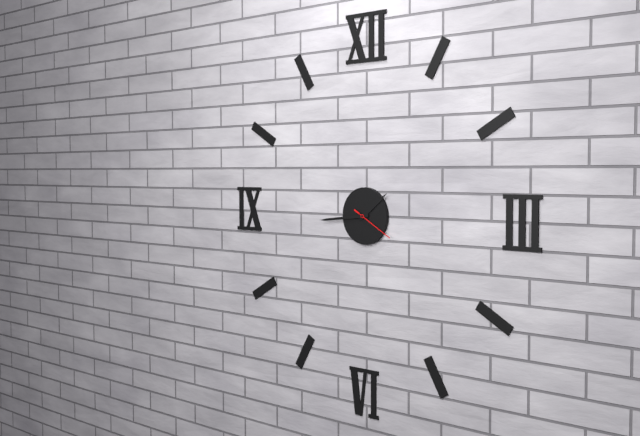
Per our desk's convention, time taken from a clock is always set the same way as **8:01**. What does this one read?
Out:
**1:44**
